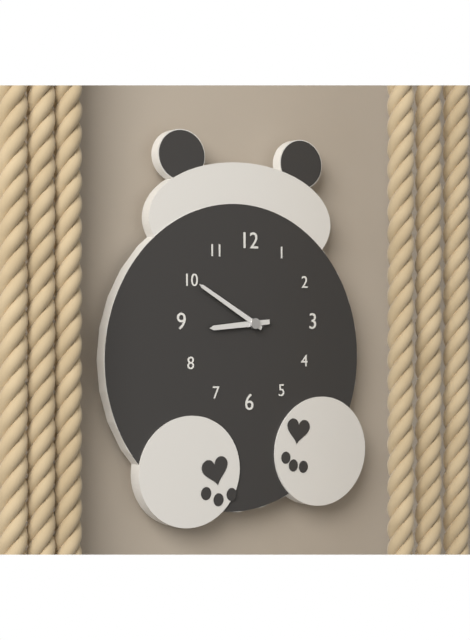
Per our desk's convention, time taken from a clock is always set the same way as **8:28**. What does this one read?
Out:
**8:50**
